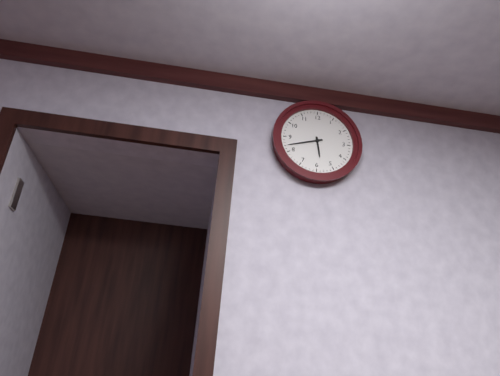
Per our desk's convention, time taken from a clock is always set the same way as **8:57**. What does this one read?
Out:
**5:42**
